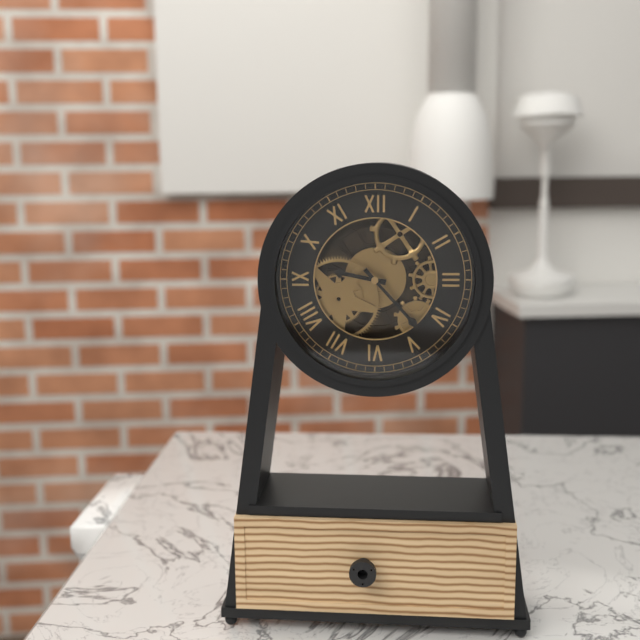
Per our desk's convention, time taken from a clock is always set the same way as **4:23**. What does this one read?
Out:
**9:23**
